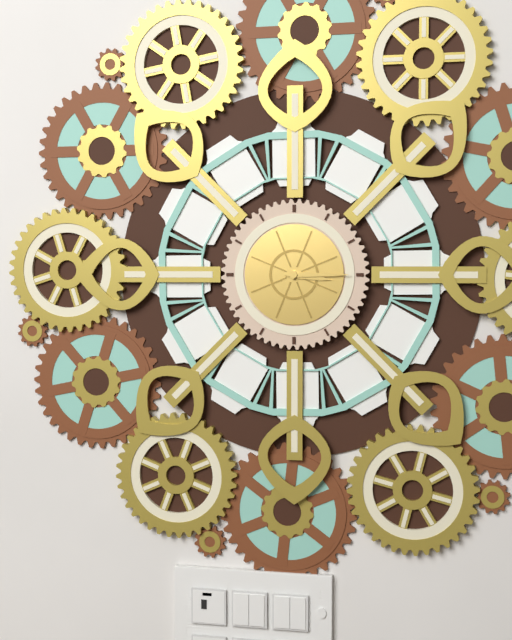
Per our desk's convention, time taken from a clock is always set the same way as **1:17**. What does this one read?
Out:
**3:15**
